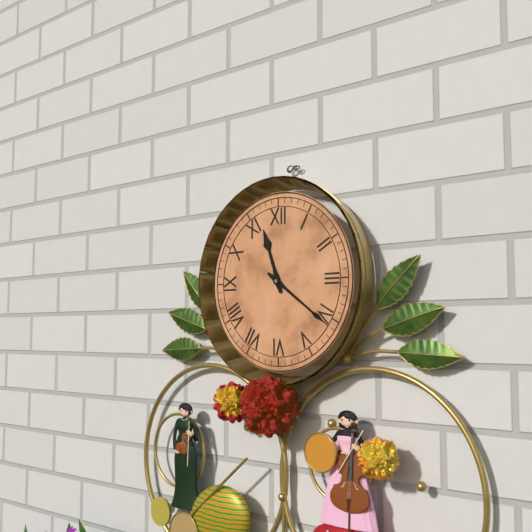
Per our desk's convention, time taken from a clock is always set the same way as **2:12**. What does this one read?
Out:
**11:21**
